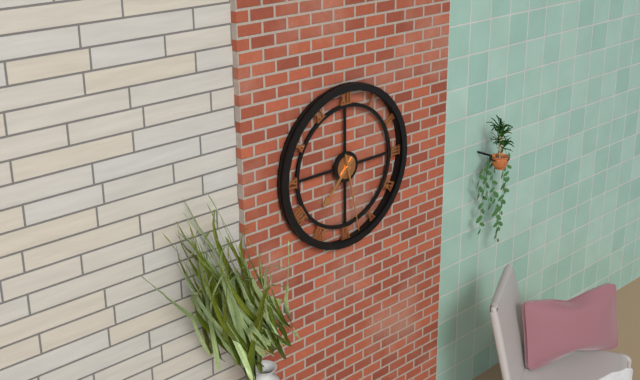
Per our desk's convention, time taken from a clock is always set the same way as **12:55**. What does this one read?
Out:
**7:28**
